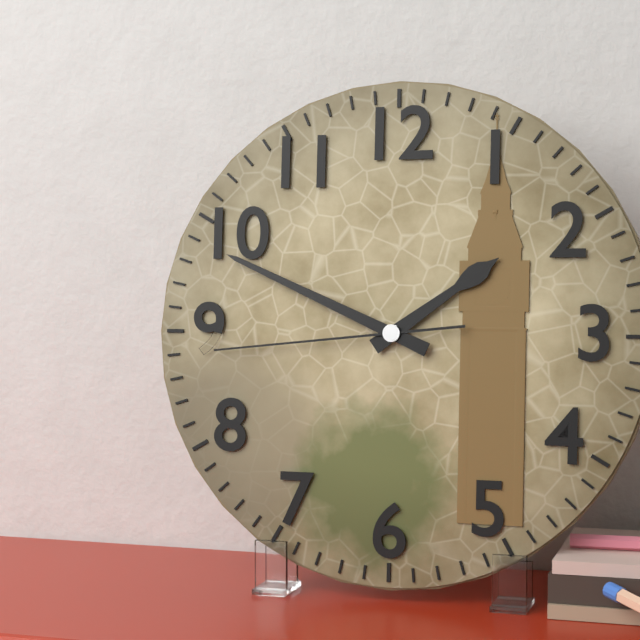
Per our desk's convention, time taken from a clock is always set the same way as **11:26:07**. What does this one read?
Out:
**1:49:44**
